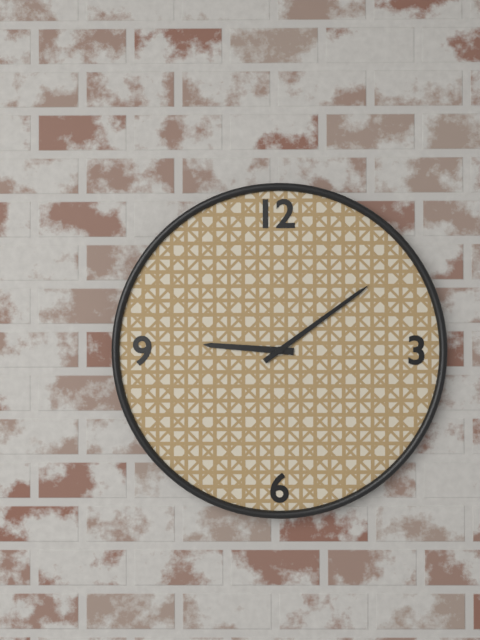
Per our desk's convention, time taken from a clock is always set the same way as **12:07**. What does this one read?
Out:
**9:09**
